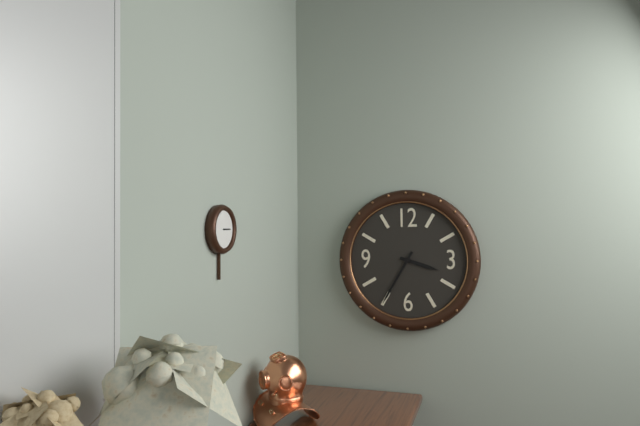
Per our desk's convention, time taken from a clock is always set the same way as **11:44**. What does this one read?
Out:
**3:35**
